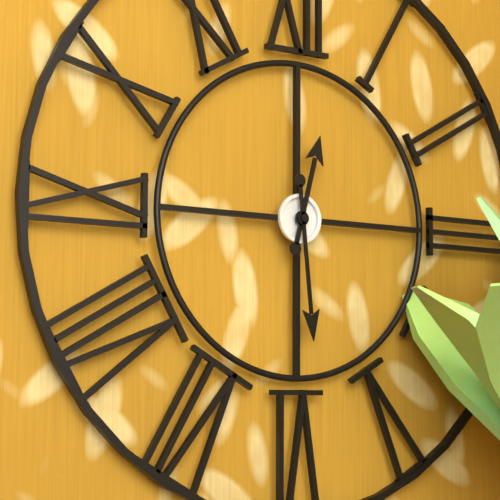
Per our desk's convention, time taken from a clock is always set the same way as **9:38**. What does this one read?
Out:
**12:29**
